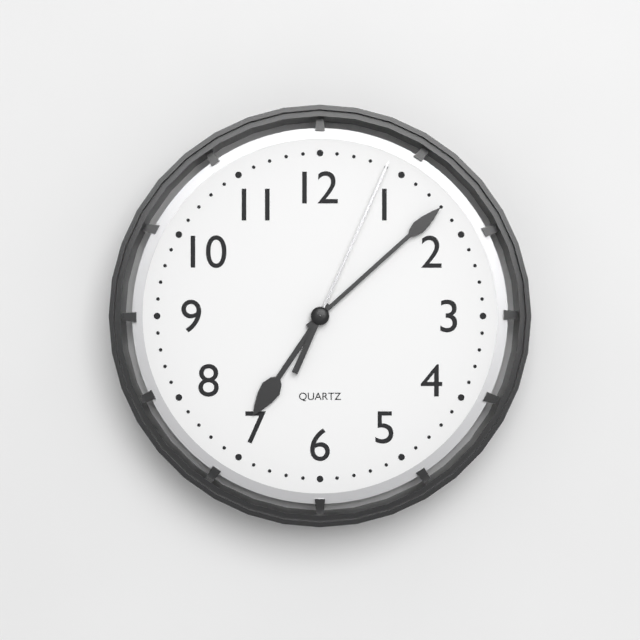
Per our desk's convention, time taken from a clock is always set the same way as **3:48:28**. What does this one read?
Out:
**7:08:04**
